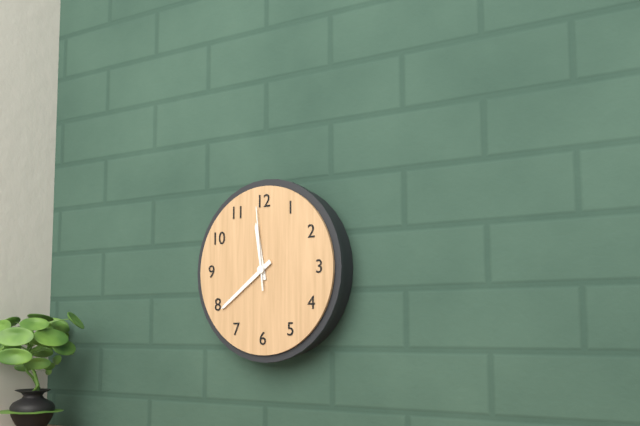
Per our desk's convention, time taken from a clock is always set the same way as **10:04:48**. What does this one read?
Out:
**11:39:59**
